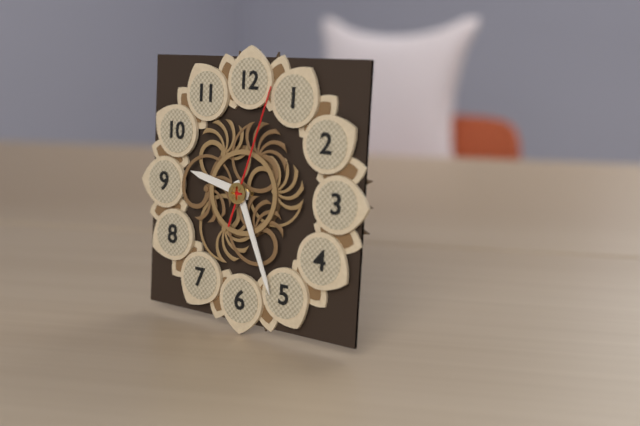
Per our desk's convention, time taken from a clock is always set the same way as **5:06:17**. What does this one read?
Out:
**9:26:03**
